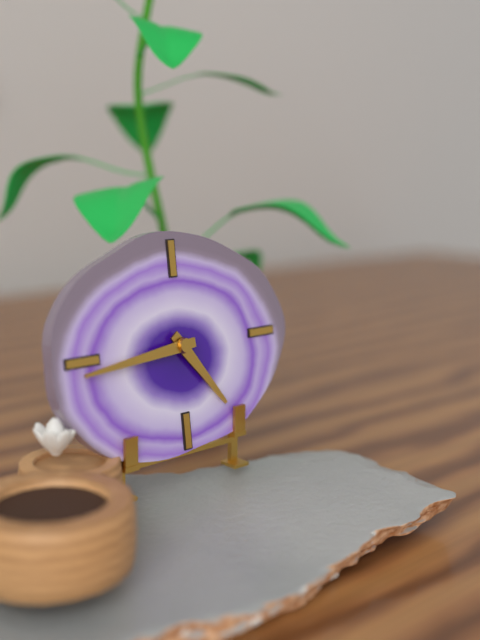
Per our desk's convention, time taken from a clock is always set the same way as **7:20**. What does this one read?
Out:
**4:44**
